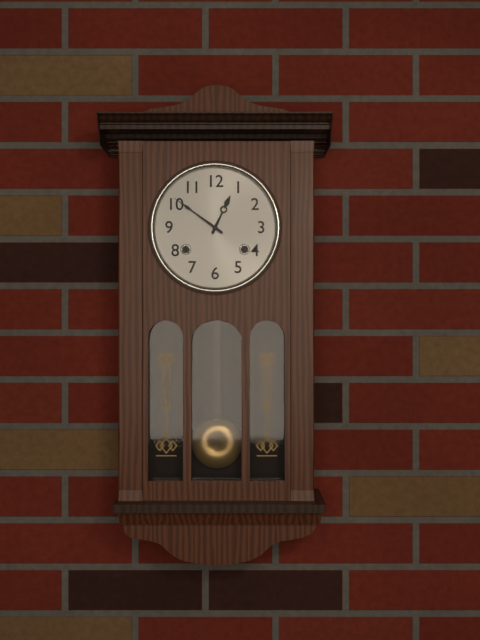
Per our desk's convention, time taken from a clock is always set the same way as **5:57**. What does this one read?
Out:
**12:51**
